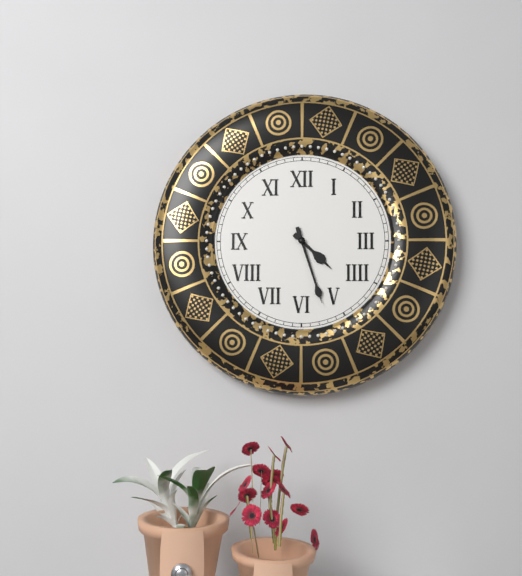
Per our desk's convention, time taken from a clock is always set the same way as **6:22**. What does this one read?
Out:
**4:27**
